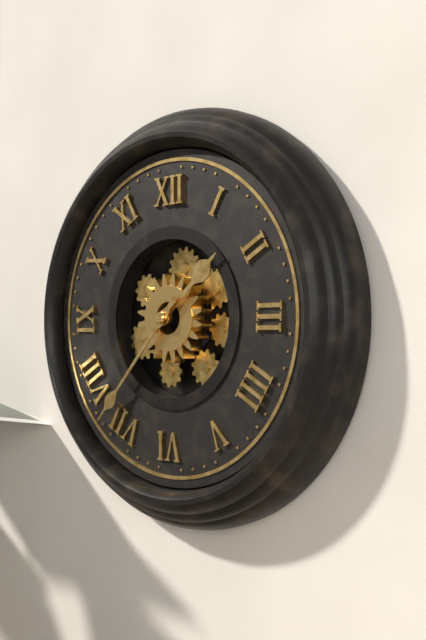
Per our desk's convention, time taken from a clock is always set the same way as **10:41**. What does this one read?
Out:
**1:37**
